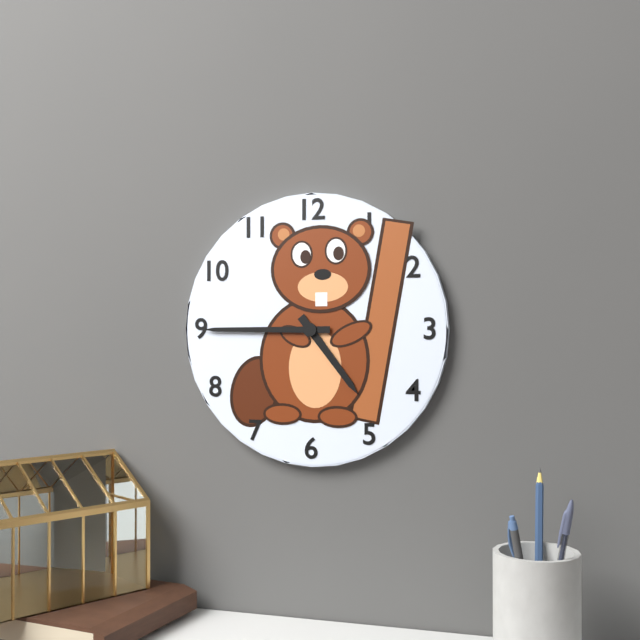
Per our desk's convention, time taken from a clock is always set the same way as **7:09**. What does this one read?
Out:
**4:45**
